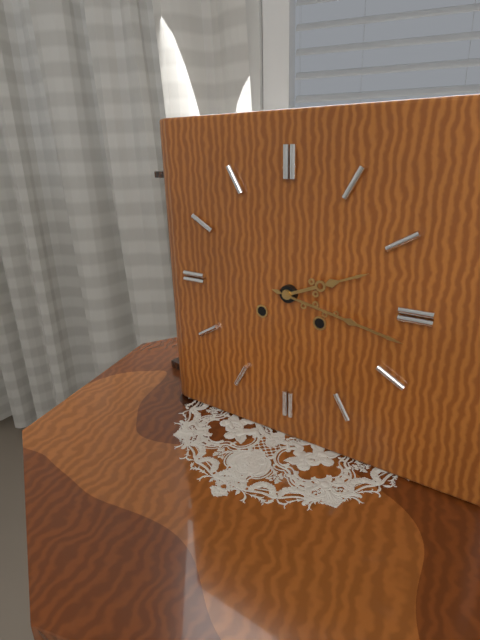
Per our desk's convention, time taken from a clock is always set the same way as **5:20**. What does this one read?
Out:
**2:17**
